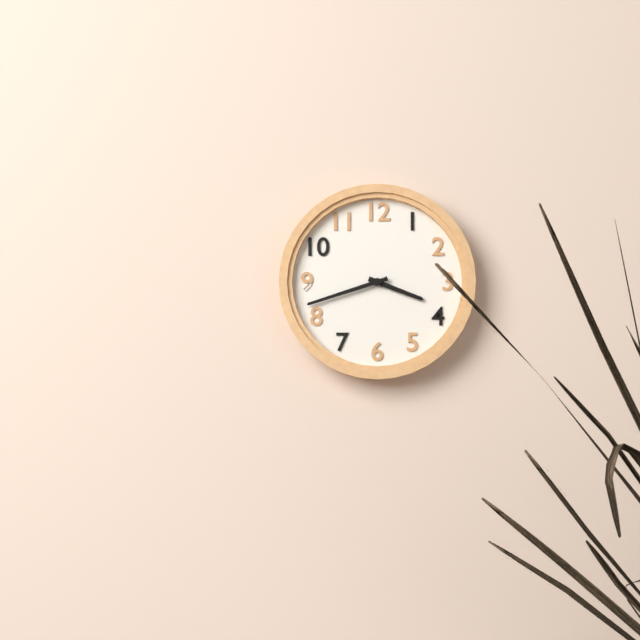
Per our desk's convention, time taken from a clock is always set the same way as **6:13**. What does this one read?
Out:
**3:42**
